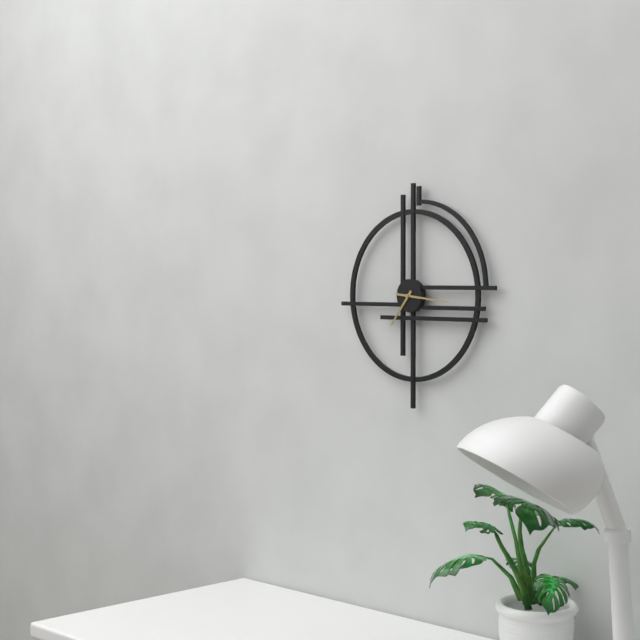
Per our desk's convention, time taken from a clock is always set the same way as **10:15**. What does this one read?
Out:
**7:16**
